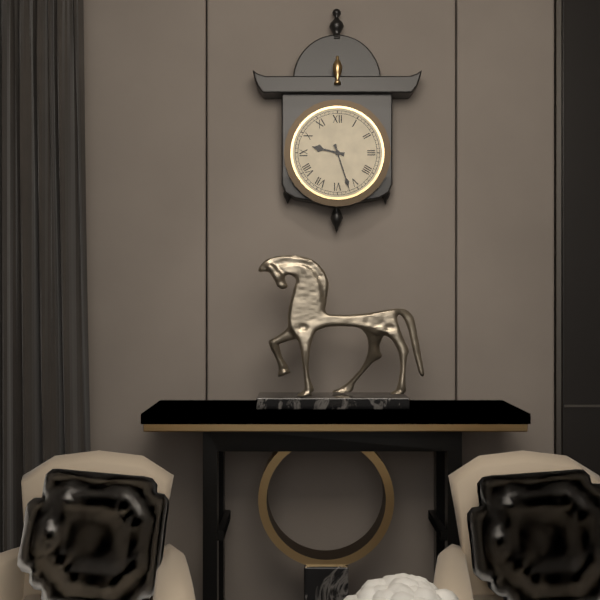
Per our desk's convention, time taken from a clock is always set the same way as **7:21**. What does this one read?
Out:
**9:27**
